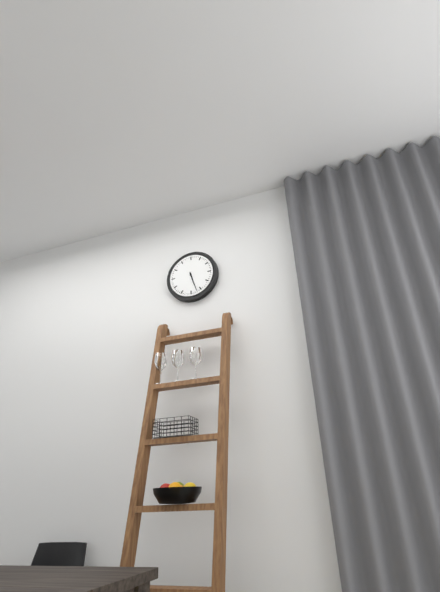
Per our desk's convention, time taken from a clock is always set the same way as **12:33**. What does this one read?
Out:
**5:27**
